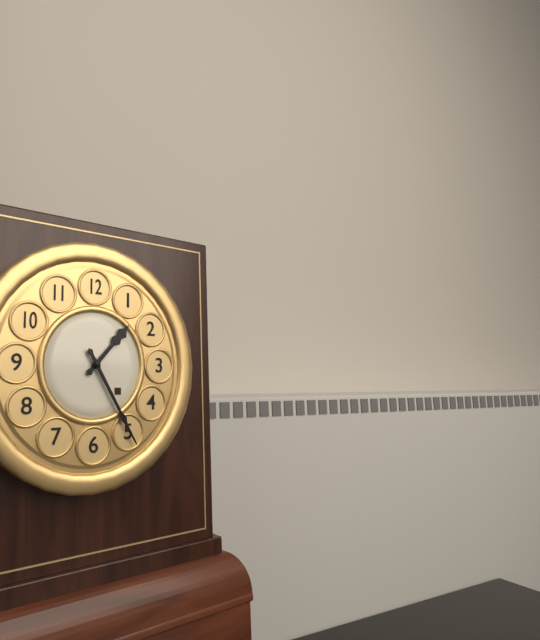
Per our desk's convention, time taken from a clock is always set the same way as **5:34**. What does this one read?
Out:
**1:25**
